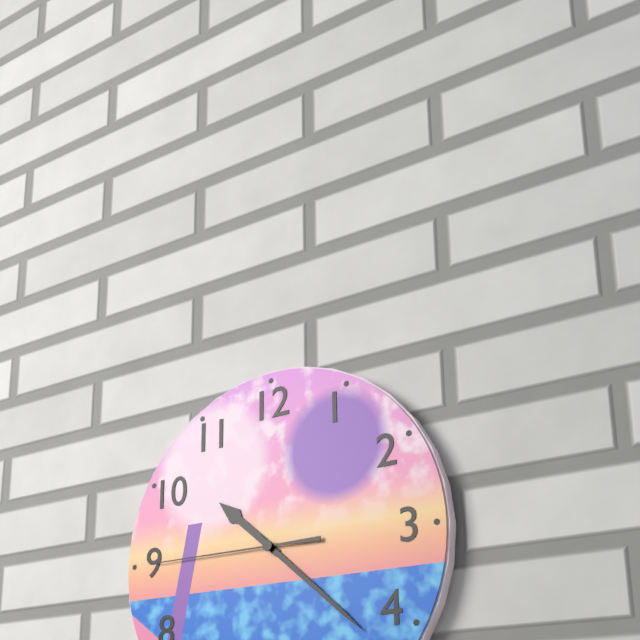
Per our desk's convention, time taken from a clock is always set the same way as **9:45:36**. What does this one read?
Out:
**10:22:45**
